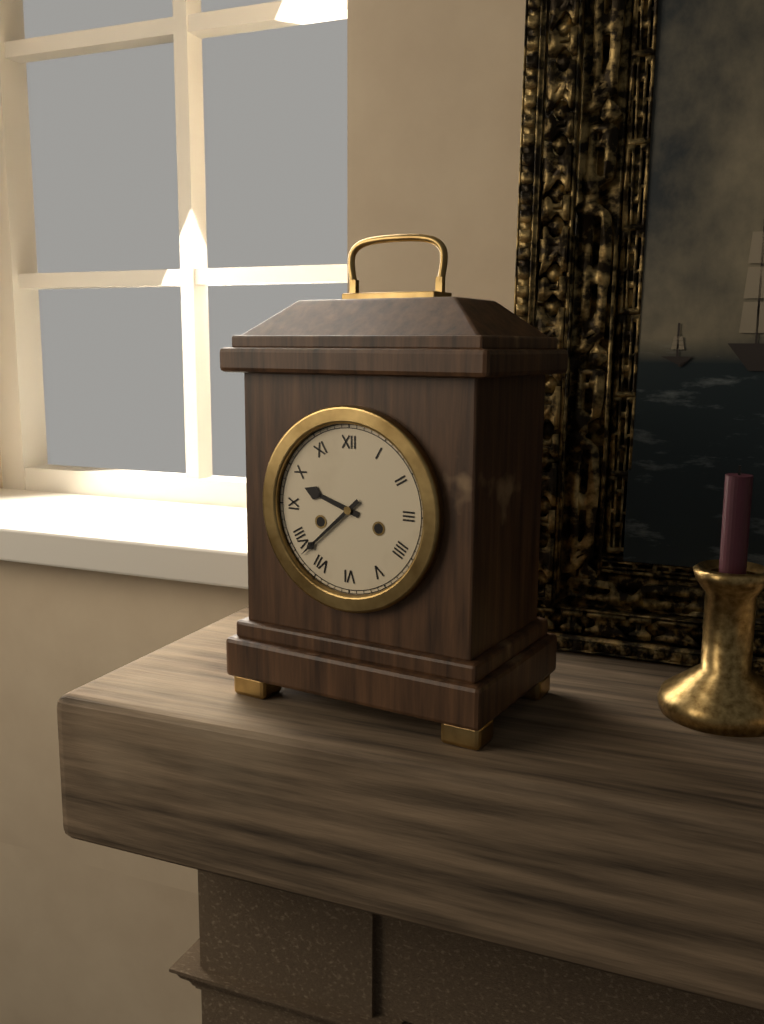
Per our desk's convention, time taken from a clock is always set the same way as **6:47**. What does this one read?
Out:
**9:38**
